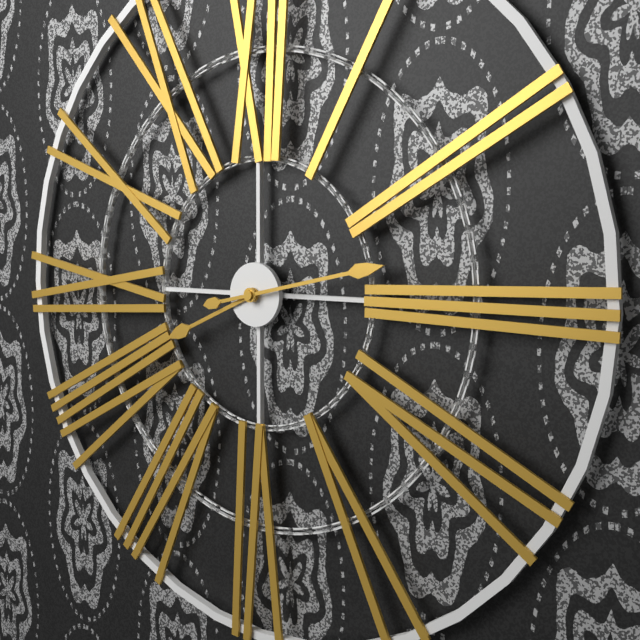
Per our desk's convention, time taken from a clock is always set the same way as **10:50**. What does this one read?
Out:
**8:13**
